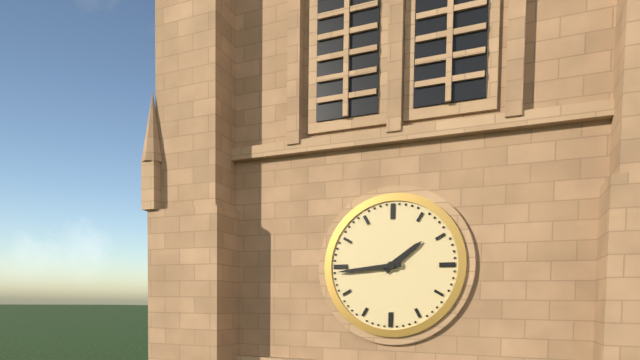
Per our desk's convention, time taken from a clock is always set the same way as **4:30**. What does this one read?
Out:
**1:44**
